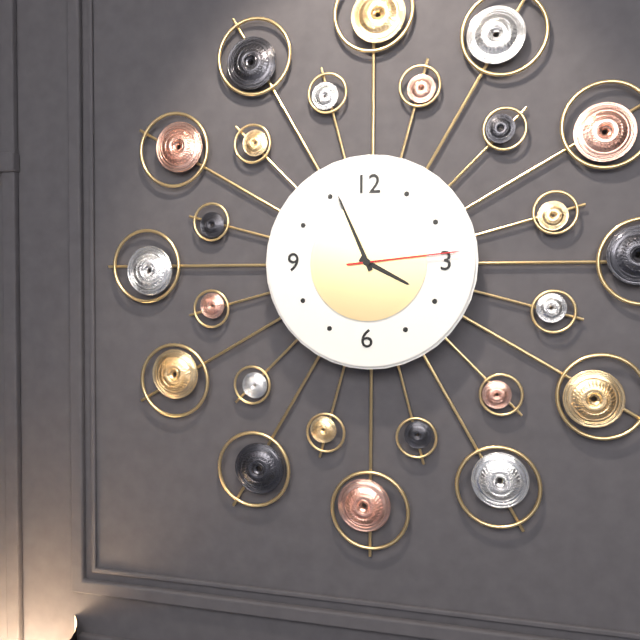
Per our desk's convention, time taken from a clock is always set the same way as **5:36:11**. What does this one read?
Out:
**3:56:14**
